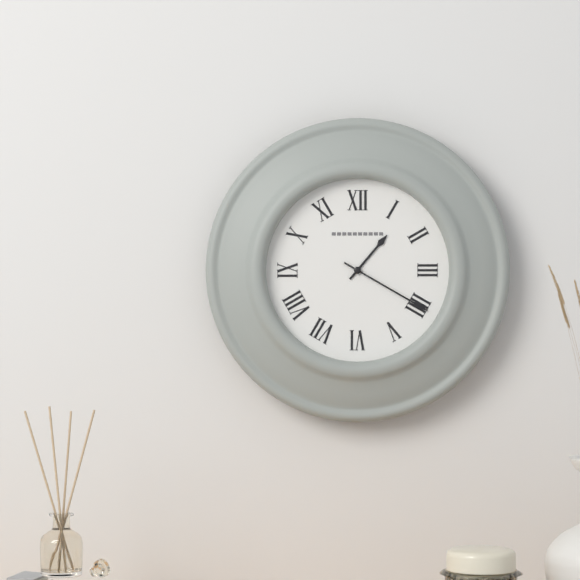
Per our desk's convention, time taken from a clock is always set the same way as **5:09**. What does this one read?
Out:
**1:20**
